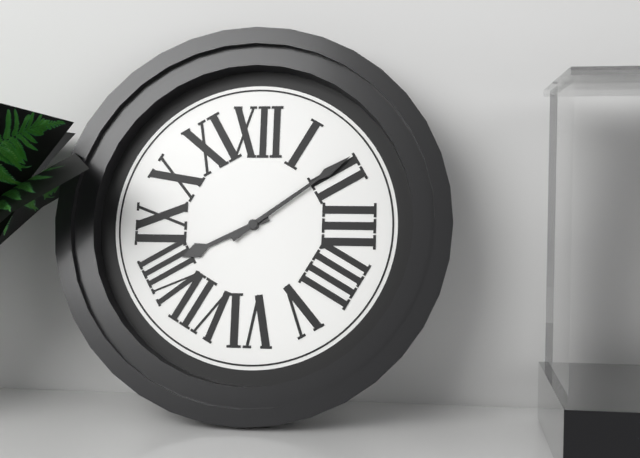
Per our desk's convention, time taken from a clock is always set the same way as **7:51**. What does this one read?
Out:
**8:09**
